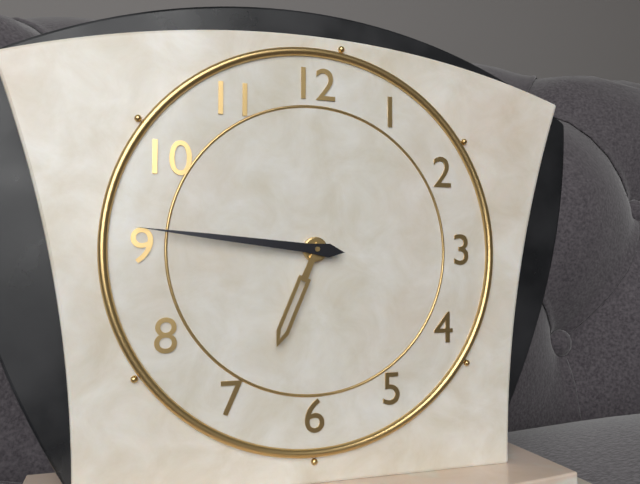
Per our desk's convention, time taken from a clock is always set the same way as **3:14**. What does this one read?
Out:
**6:46**
